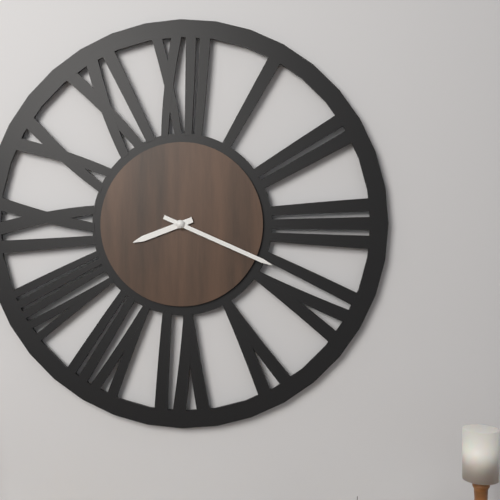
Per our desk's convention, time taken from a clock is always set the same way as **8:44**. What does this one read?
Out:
**8:19**
